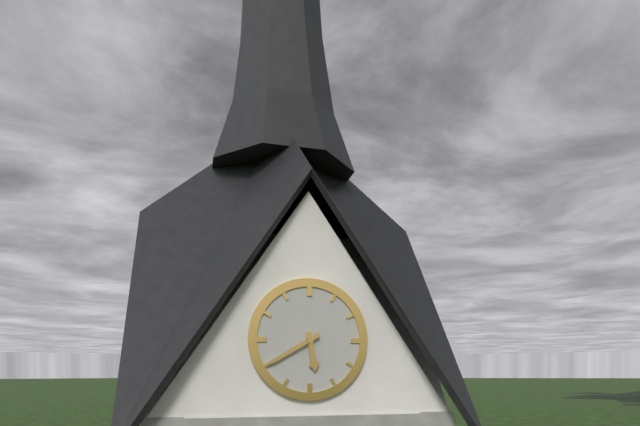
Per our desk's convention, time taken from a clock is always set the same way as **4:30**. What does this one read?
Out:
**5:40**
